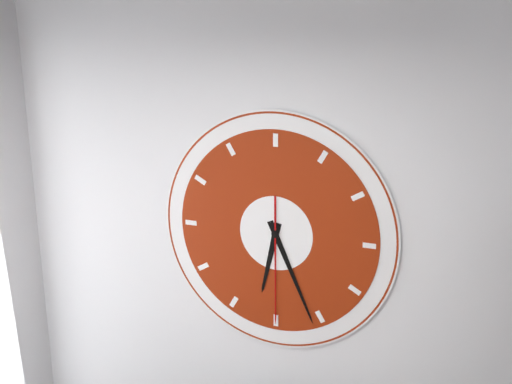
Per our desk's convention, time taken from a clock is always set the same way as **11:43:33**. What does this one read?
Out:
**6:26:30**
